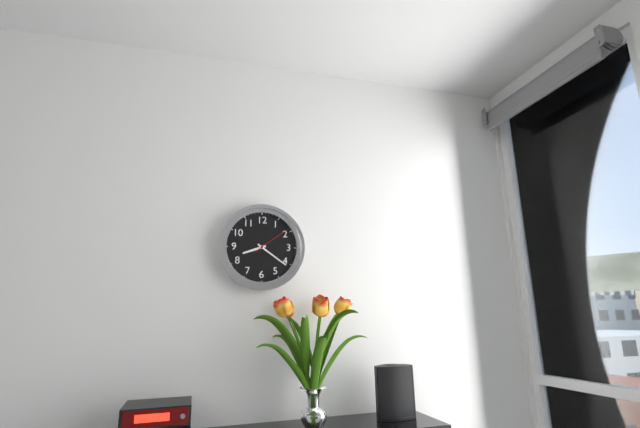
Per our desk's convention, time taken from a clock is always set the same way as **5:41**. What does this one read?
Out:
**8:21**
